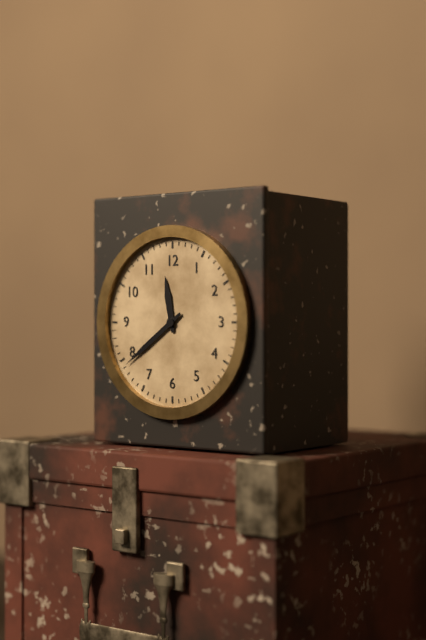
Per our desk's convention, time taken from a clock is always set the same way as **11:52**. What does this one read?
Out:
**11:39**
